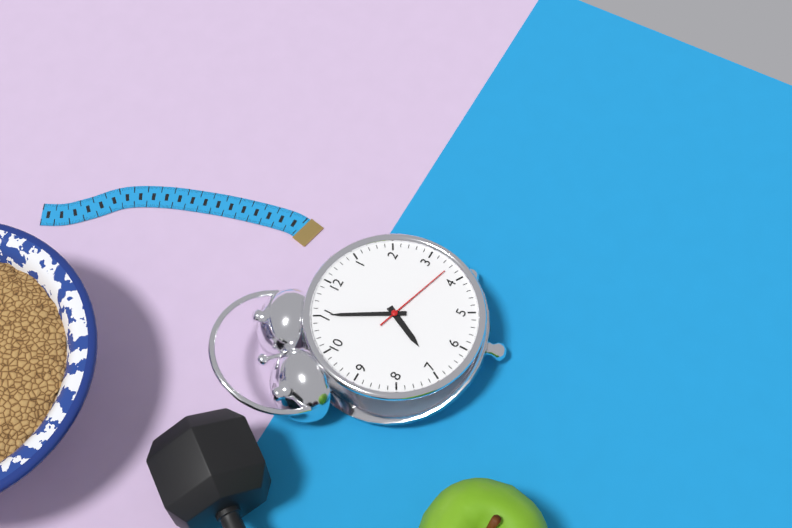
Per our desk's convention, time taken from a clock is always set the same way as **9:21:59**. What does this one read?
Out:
**6:55:18**
